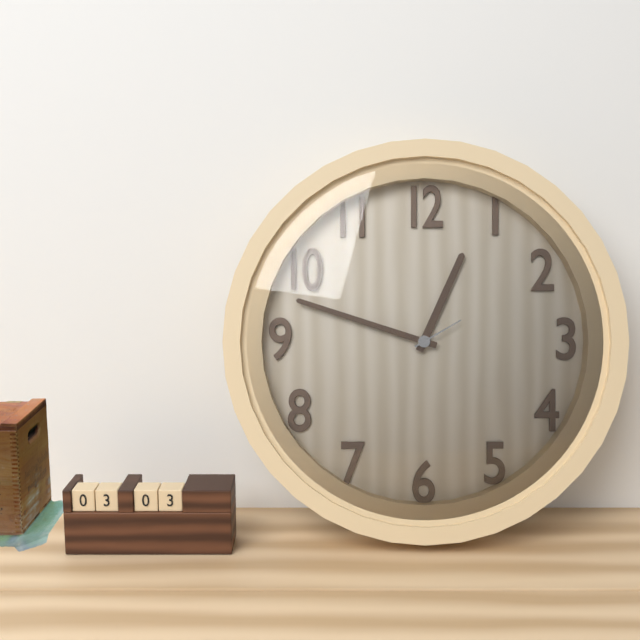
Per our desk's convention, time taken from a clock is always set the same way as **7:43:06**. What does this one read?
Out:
**12:48:10**
